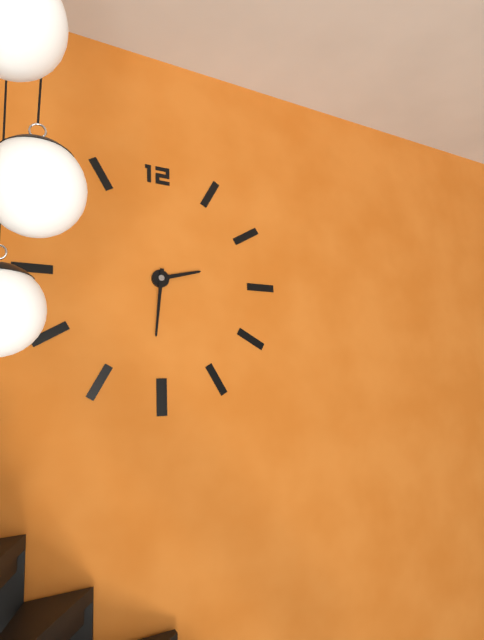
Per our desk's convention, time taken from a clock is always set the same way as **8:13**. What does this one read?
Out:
**2:31**
